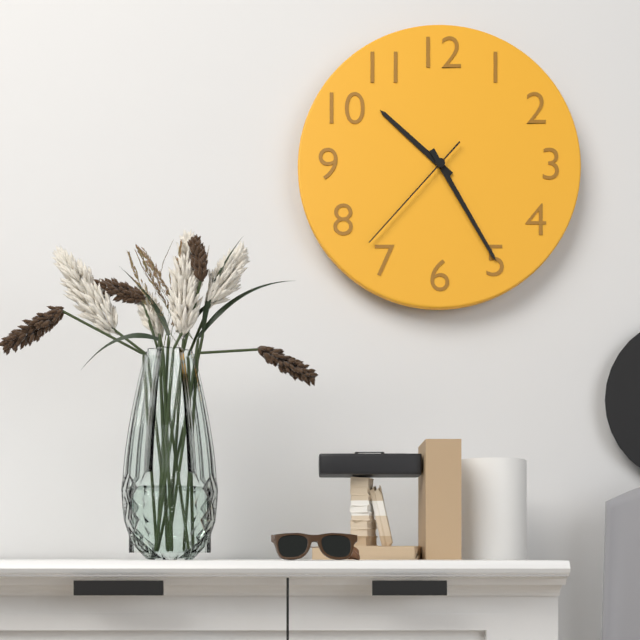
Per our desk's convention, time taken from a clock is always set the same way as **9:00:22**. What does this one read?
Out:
**10:25:37**
